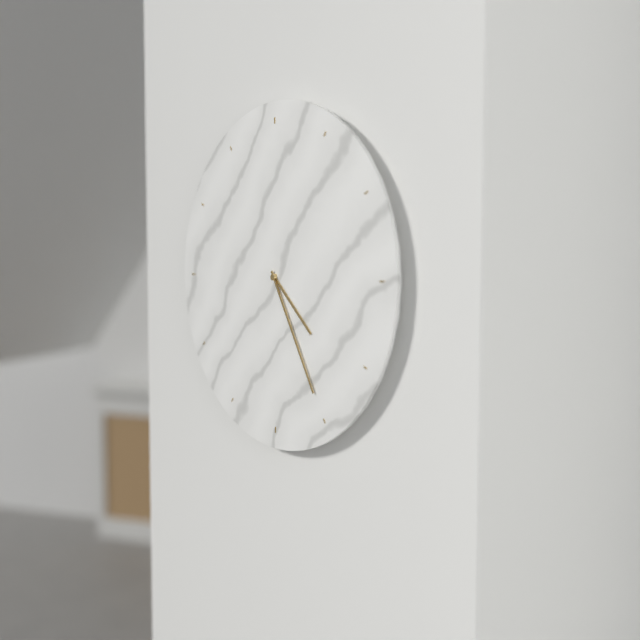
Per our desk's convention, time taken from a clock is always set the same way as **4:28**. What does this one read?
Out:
**4:25**
